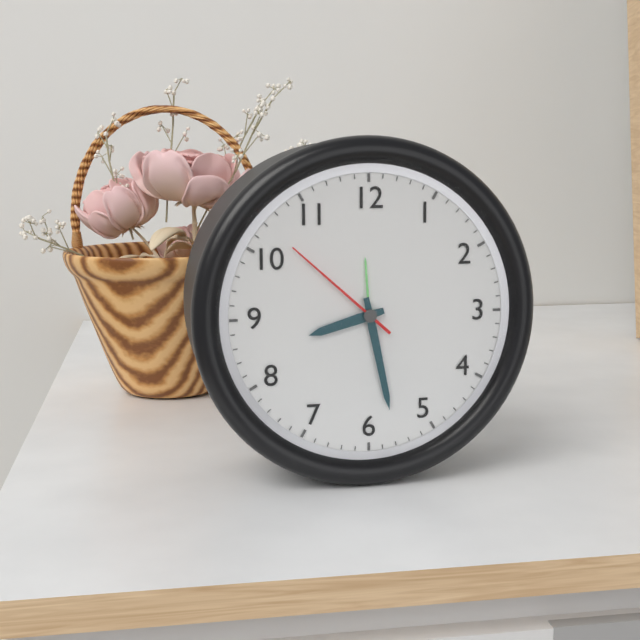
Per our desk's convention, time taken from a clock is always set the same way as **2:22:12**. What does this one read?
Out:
**8:28:52**
